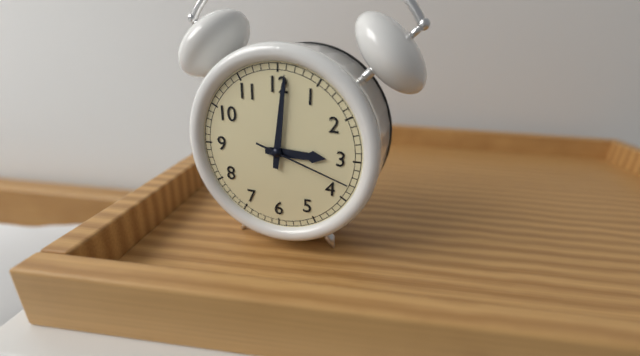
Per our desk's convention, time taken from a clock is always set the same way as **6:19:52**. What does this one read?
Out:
**3:01:18**
